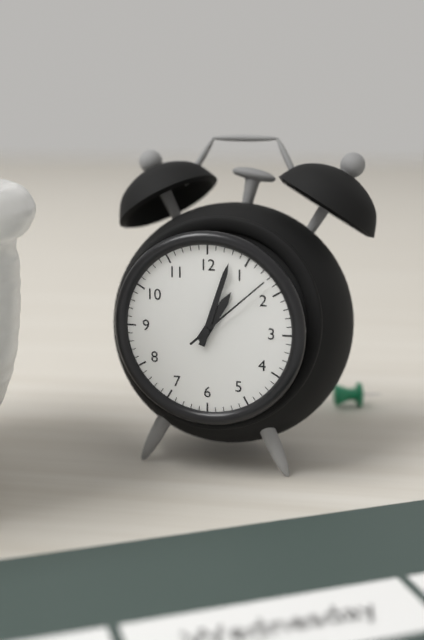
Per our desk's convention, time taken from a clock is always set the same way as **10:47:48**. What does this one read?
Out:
**1:03:08**
